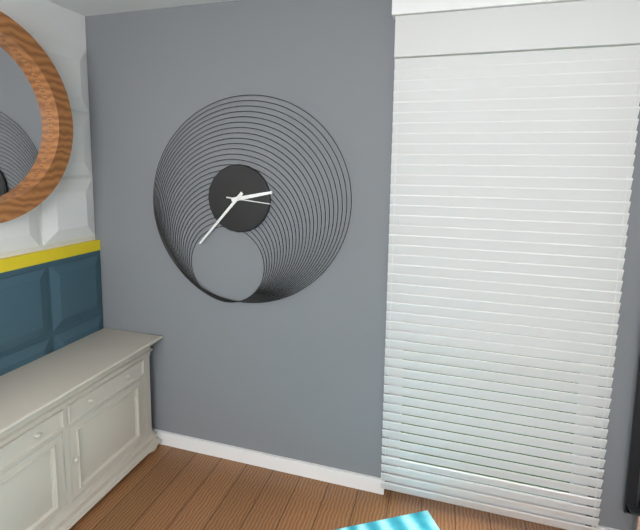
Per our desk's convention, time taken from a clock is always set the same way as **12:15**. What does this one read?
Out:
**2:37**
